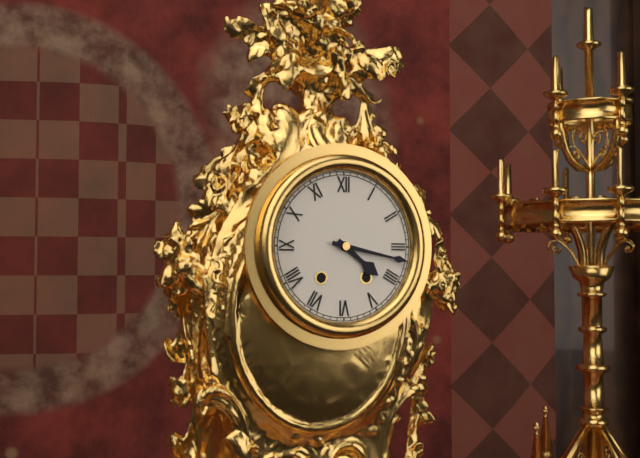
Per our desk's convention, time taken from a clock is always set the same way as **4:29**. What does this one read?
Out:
**4:17**
